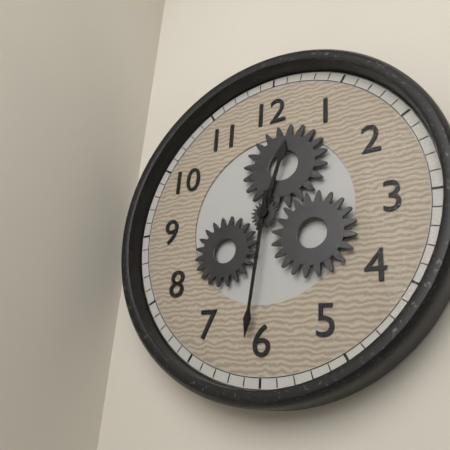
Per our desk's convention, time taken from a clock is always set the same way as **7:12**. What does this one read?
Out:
**12:31**
